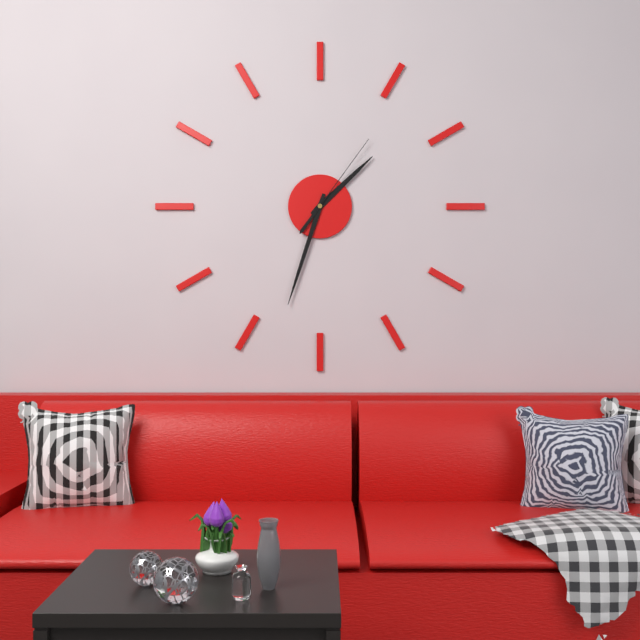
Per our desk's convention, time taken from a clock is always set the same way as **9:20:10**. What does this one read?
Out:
**1:33:06**
